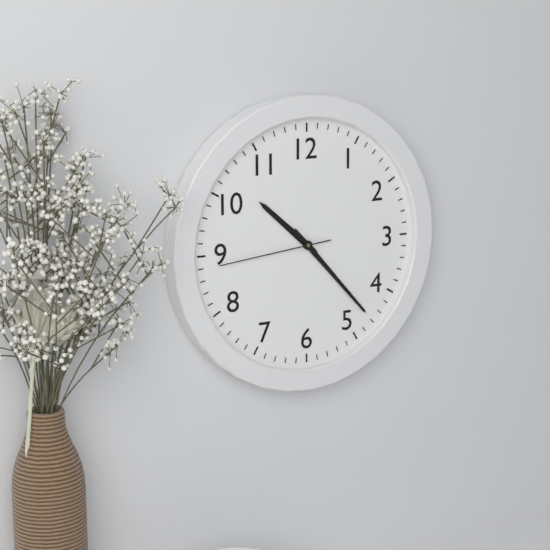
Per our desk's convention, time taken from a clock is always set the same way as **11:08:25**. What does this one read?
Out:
**10:23:44**
